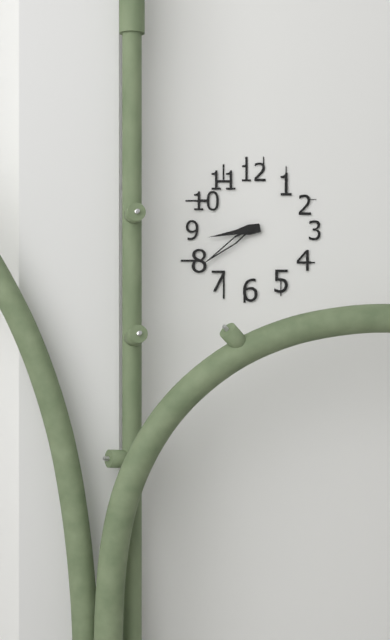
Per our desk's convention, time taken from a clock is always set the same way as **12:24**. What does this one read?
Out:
**8:39**
